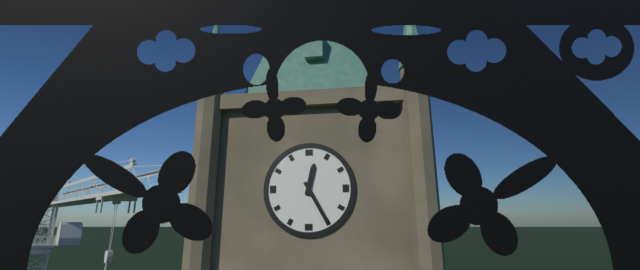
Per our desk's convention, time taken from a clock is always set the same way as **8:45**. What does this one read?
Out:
**12:25**
